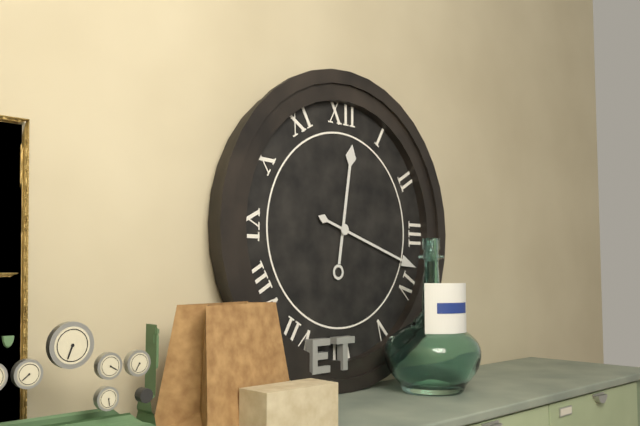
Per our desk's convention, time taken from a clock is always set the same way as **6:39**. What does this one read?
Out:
**12:18**
